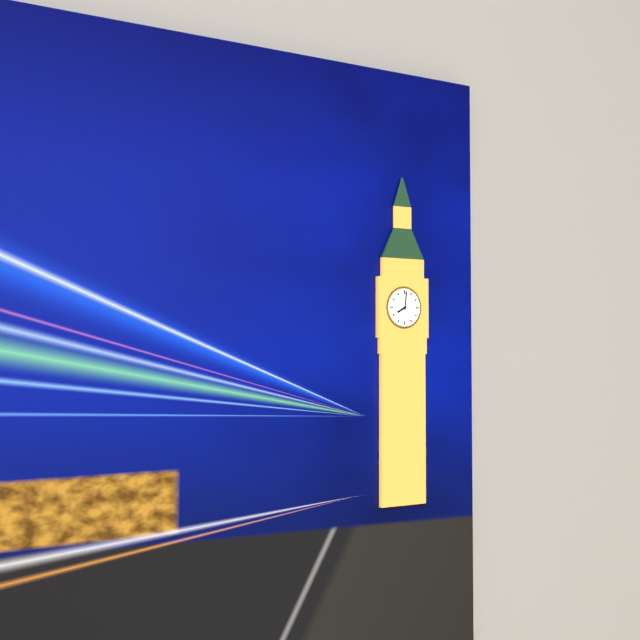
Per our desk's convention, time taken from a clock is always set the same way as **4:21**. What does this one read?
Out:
**8:01**
